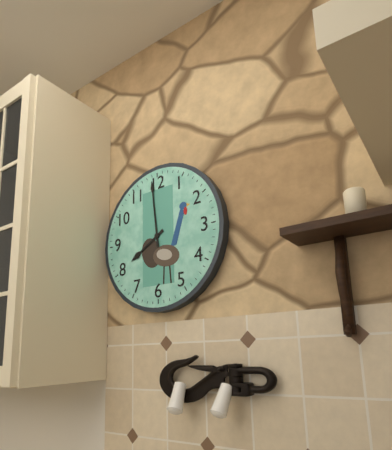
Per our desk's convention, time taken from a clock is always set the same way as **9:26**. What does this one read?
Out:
**7:59**
